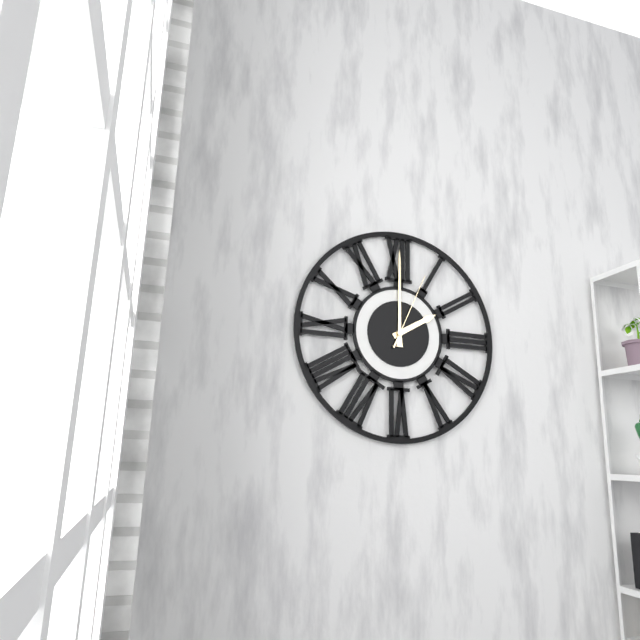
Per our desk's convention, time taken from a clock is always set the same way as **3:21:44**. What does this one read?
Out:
**2:00:04**
